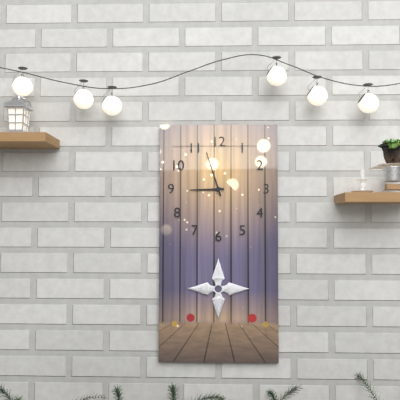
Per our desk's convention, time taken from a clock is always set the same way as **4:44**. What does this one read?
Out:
**8:57**
